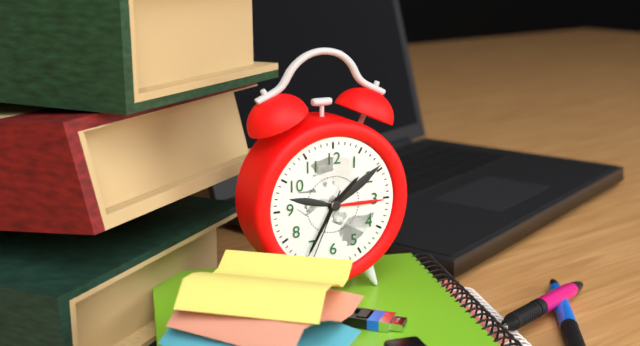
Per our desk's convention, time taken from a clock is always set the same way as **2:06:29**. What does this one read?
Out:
**1:35:34**
